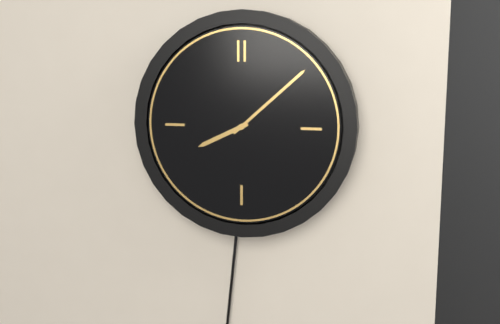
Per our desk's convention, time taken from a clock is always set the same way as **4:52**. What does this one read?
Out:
**8:08**
